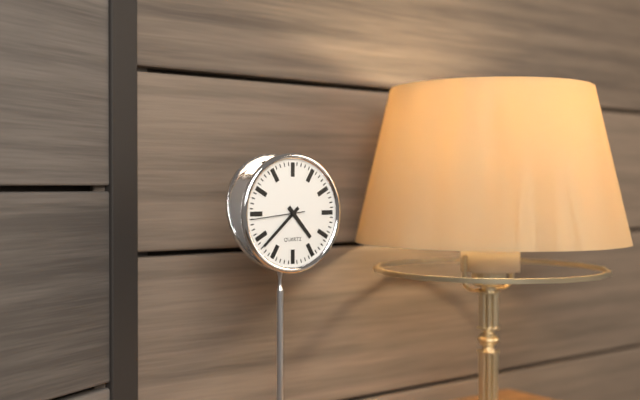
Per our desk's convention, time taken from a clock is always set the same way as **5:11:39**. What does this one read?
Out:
**4:38:44**
